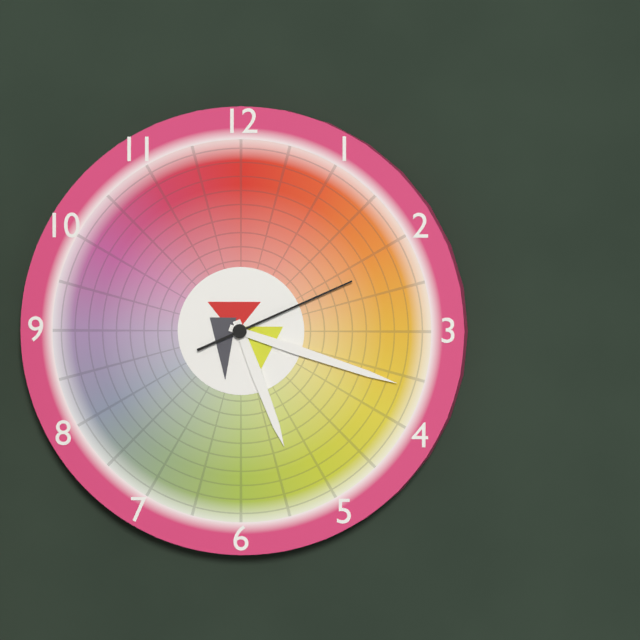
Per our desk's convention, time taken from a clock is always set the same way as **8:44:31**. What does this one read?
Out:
**5:18:11**
